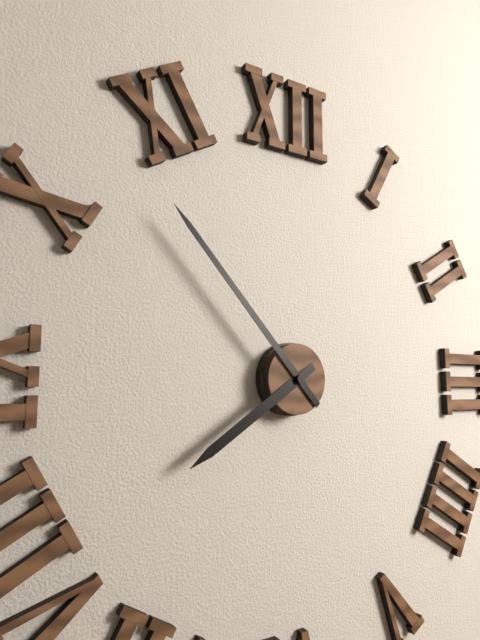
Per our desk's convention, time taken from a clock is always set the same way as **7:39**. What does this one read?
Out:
**7:53**
